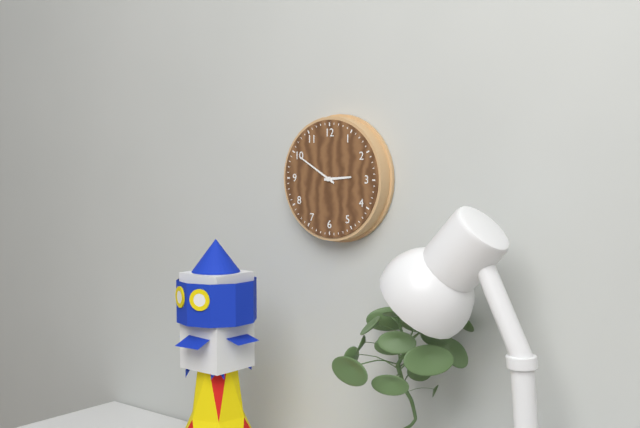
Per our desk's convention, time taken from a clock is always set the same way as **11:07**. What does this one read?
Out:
**2:50**
